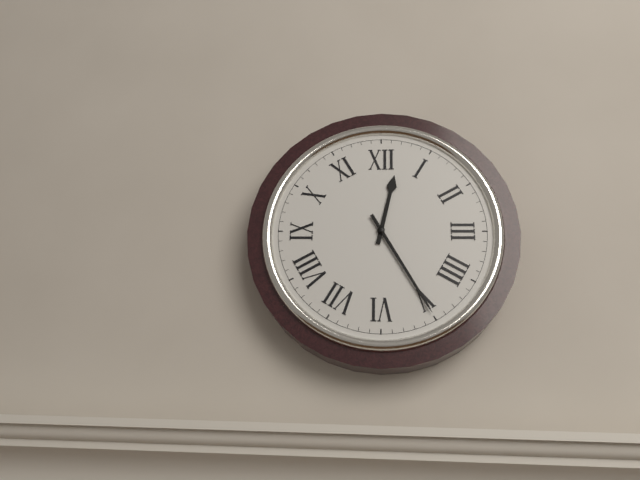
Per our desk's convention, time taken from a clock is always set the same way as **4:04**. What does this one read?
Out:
**12:25**
